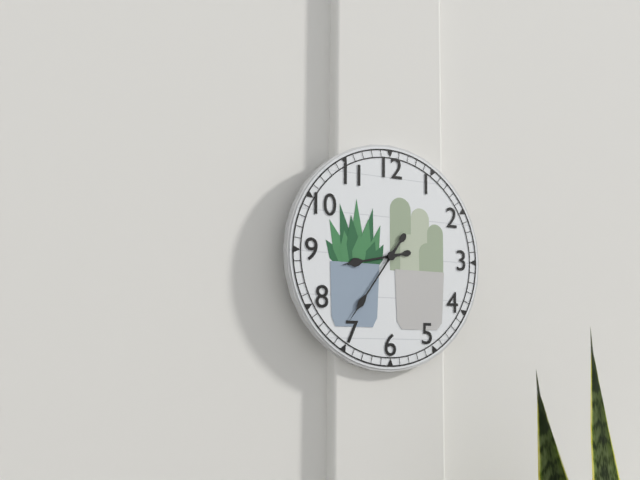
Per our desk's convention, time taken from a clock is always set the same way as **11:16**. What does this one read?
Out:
**8:36**
